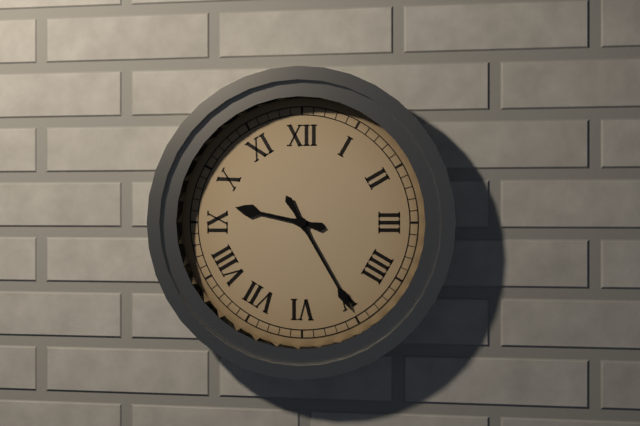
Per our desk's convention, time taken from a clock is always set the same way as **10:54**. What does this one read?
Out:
**9:25**
